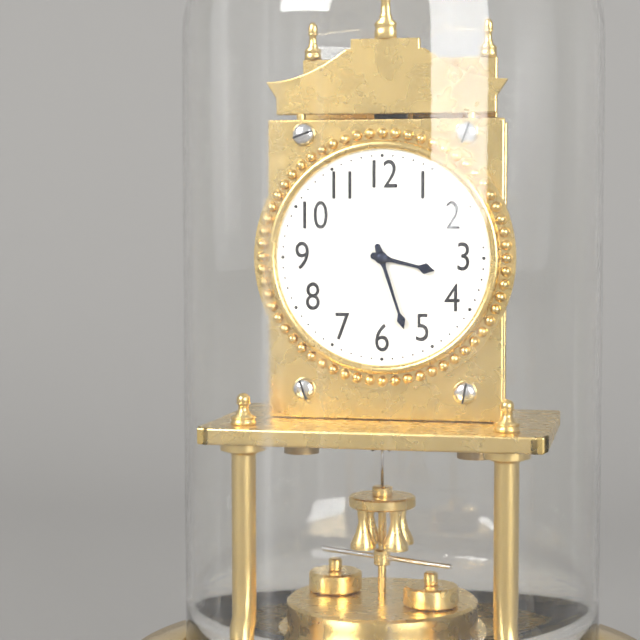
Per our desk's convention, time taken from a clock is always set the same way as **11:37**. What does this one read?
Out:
**3:27**
